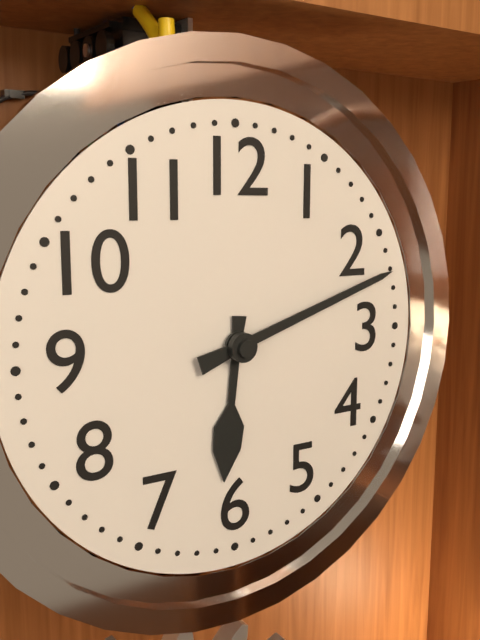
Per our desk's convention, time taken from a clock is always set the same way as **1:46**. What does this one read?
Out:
**6:12**
